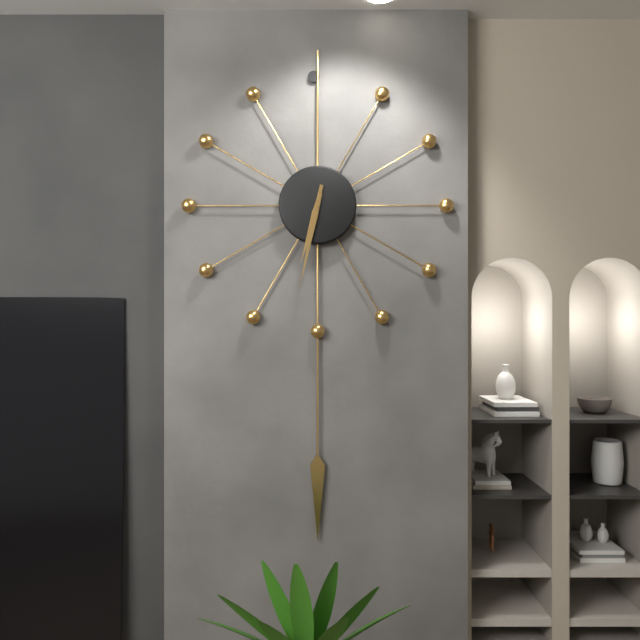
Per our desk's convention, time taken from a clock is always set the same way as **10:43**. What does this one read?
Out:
**6:32**
